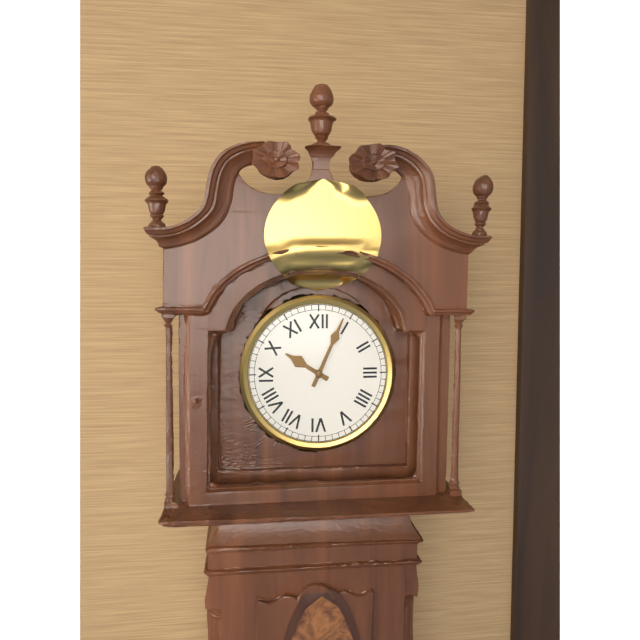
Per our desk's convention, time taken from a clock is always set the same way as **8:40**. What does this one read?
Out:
**10:04**
